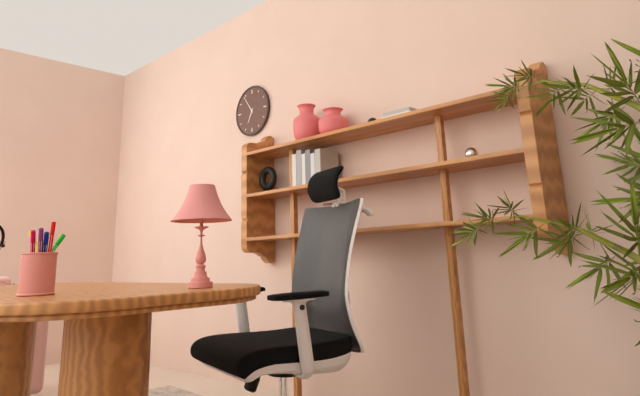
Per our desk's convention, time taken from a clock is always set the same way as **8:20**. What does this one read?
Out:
**6:54**
